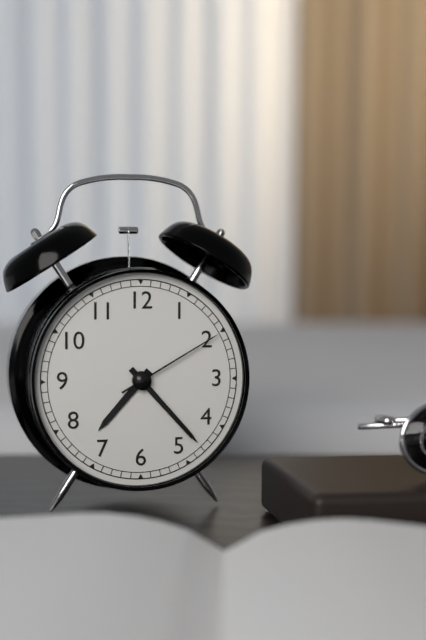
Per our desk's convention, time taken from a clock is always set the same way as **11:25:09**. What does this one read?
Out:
**7:23:10**
